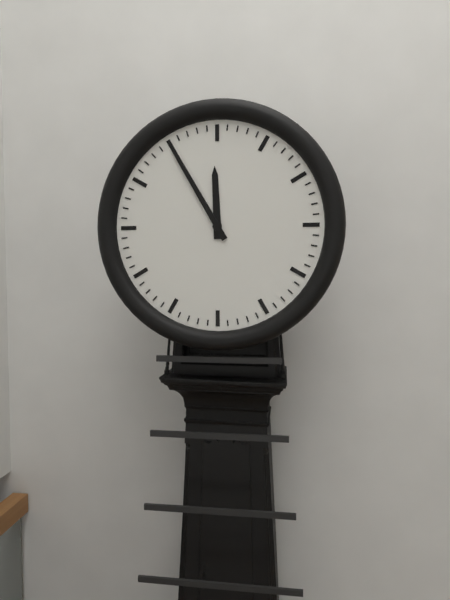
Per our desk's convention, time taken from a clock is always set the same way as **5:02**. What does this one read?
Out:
**11:55**
